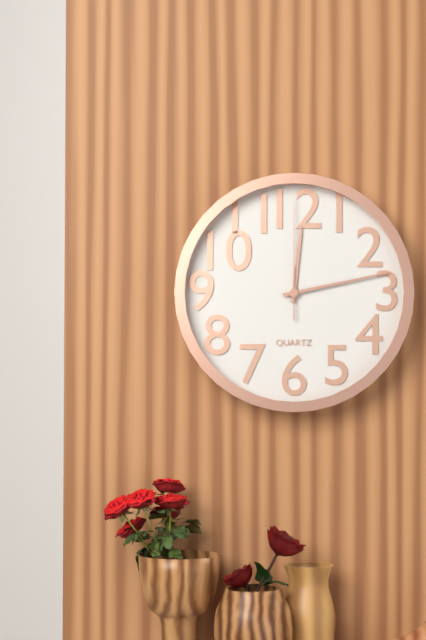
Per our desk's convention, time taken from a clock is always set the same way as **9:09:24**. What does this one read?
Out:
**12:13:00**
